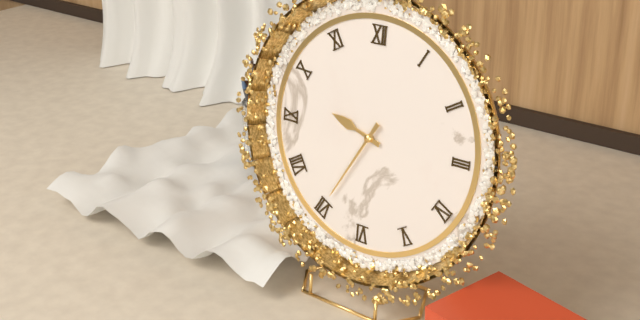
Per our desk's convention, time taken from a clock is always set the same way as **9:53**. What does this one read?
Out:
**9:35**
